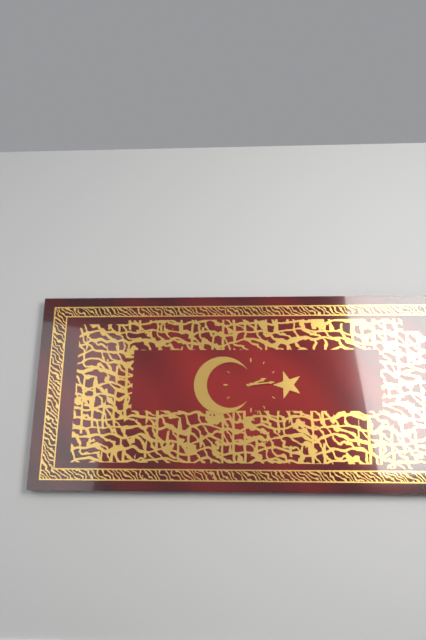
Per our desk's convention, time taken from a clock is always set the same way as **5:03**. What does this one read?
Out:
**2:14**
